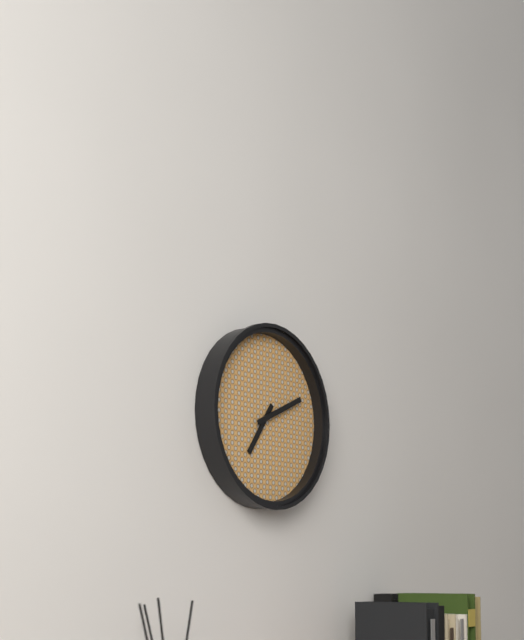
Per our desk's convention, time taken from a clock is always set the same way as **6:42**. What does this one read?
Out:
**7:11**
